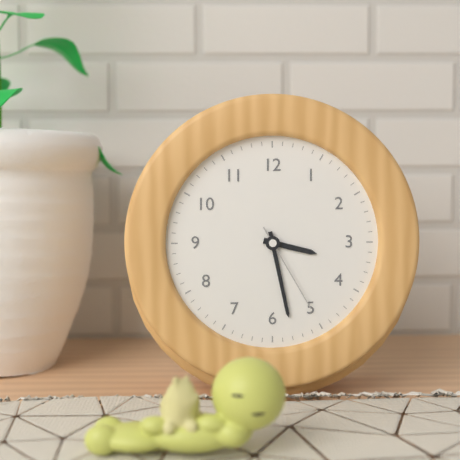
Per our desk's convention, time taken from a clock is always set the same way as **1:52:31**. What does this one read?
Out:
**3:28:25**
